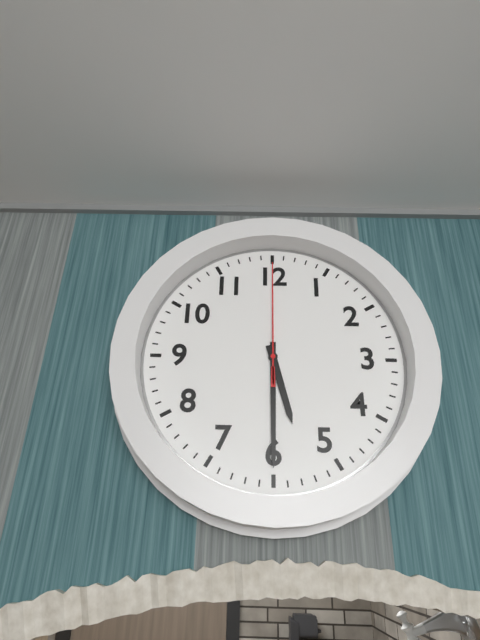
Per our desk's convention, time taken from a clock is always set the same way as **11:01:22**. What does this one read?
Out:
**5:30:00**
